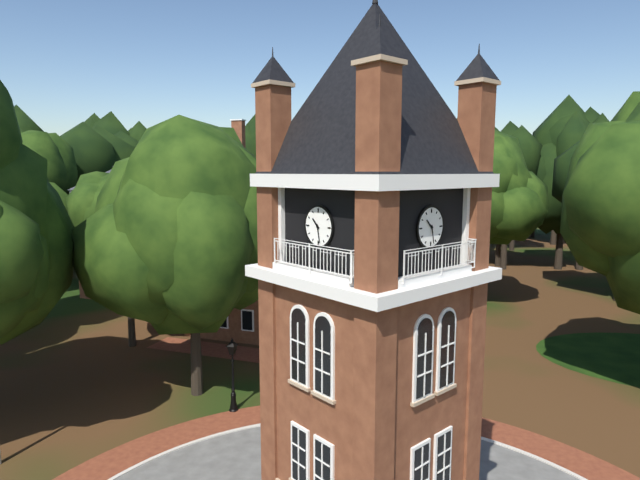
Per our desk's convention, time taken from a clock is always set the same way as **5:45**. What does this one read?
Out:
**10:28**
